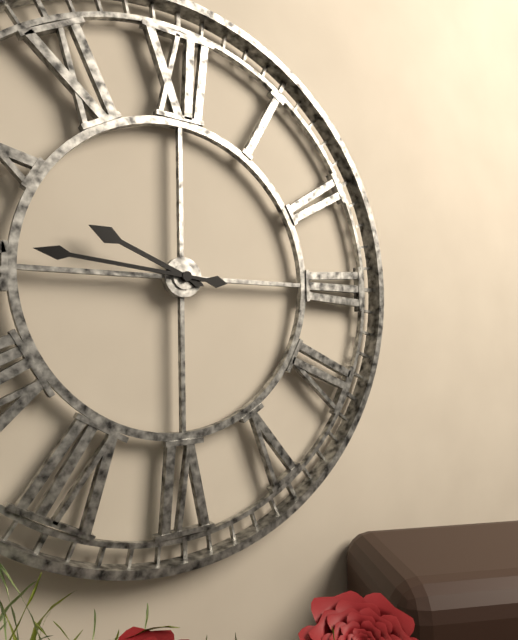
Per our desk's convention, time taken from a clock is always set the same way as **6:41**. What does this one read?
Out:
**9:46**
